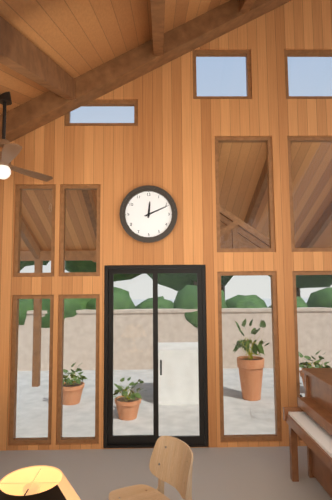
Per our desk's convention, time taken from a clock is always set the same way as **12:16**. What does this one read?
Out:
**12:11**
